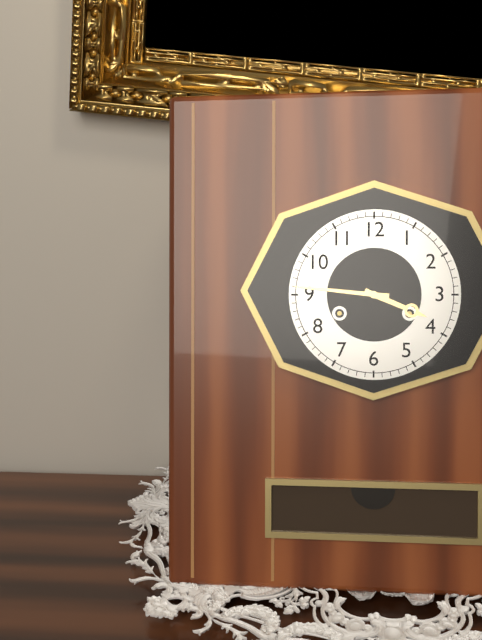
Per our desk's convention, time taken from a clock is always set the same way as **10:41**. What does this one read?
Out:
**3:46**
